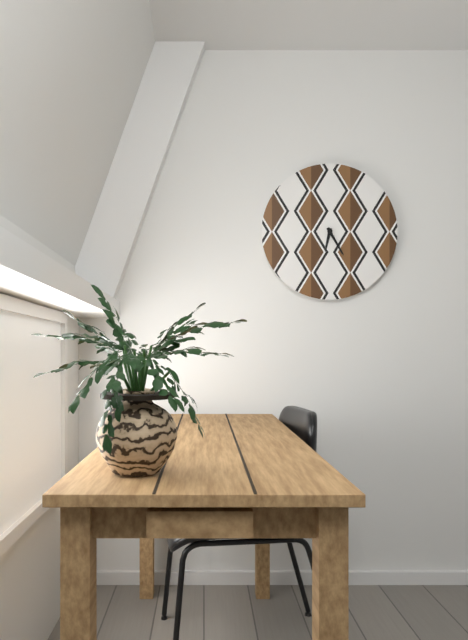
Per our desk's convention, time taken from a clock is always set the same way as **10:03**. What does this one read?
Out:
**6:25**
